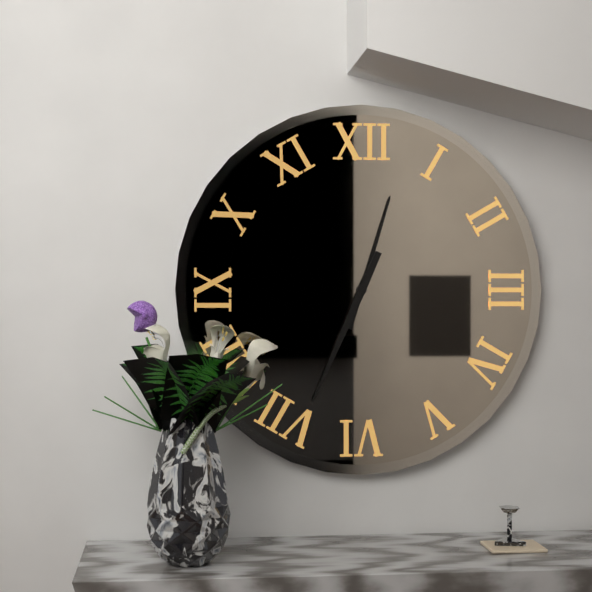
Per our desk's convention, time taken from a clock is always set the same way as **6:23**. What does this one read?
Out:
**12:34**
